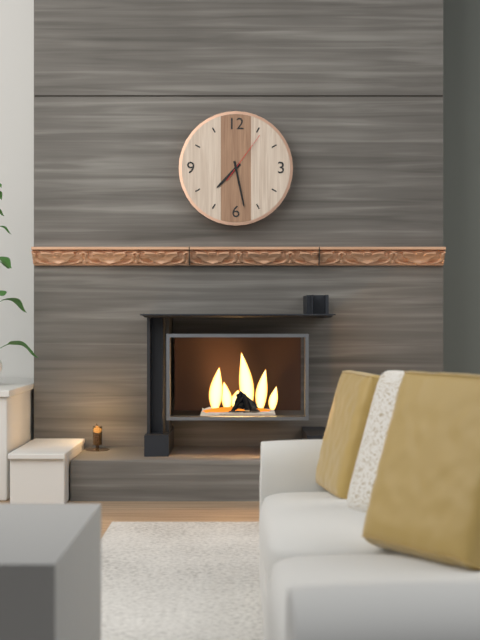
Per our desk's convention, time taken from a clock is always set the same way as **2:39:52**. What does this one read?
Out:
**7:28:06**
